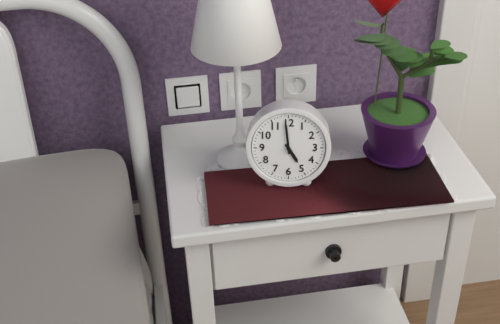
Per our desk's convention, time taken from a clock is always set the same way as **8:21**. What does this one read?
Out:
**4:59**
